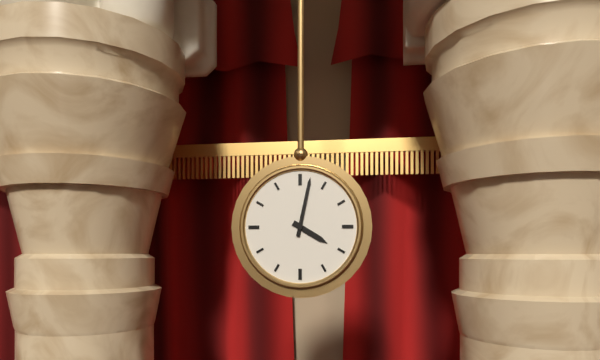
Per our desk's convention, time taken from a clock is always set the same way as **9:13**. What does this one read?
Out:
**4:02**
